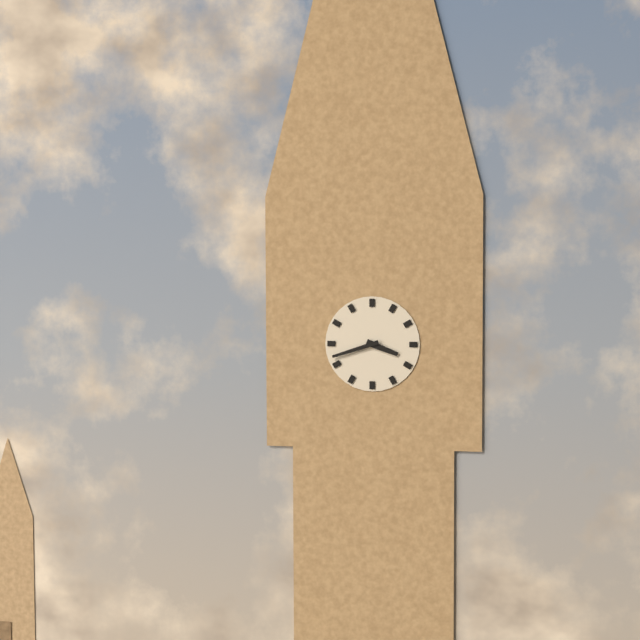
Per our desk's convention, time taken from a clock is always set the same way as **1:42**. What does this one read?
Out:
**3:42**
